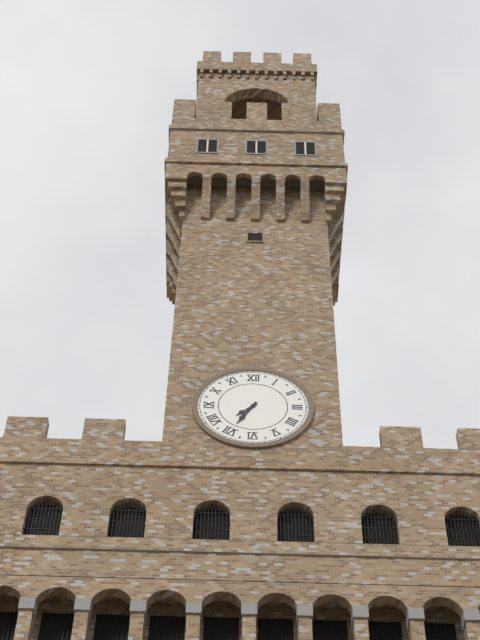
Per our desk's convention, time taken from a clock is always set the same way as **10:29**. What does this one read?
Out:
**7:35**
